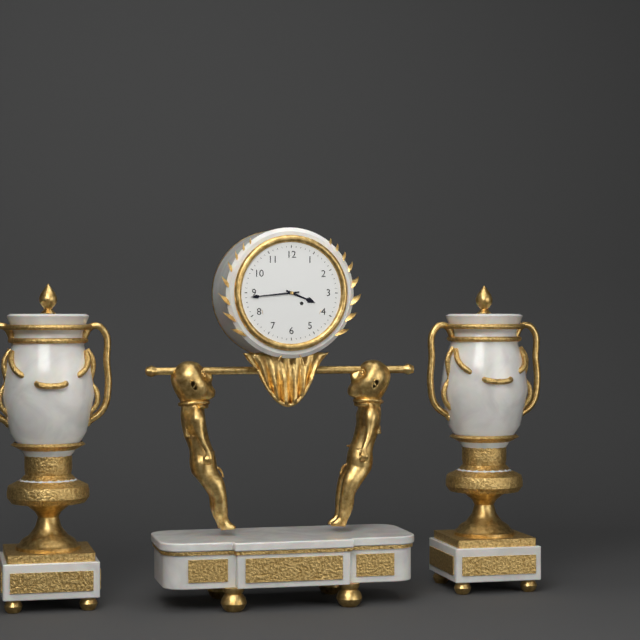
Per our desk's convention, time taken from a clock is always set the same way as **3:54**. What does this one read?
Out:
**3:44**
